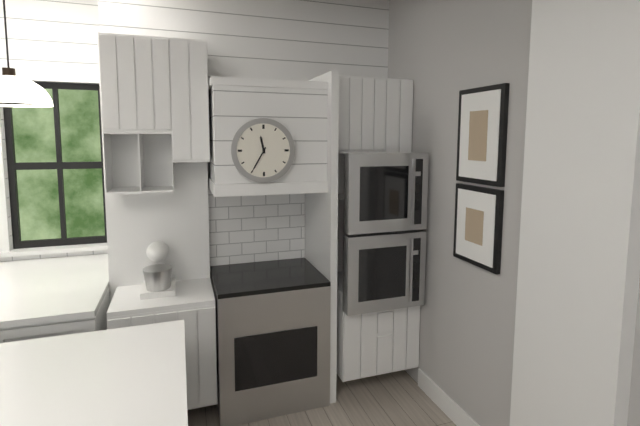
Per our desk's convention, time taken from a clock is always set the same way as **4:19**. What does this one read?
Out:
**11:35**
